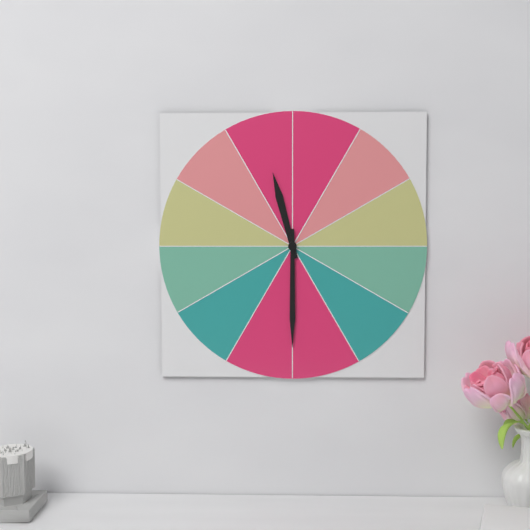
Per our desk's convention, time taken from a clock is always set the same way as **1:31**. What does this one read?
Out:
**11:30**
